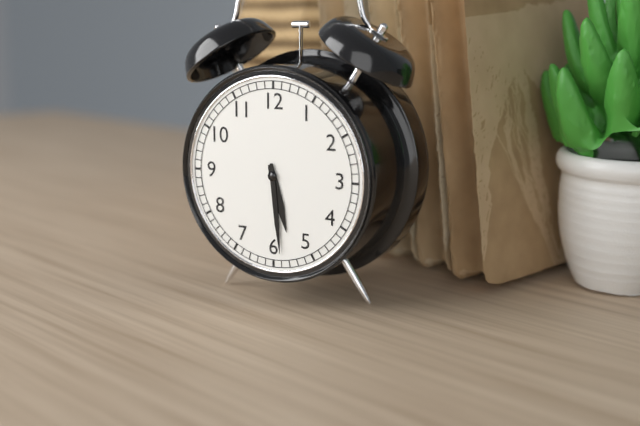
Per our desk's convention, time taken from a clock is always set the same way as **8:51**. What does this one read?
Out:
**5:29**
